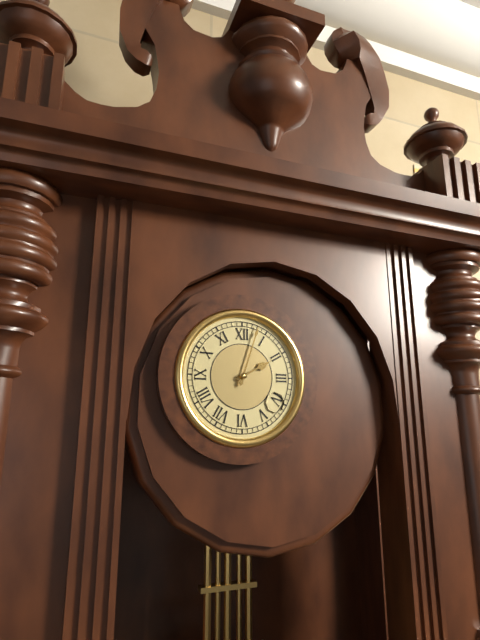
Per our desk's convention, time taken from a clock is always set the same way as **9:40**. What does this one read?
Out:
**2:03**
